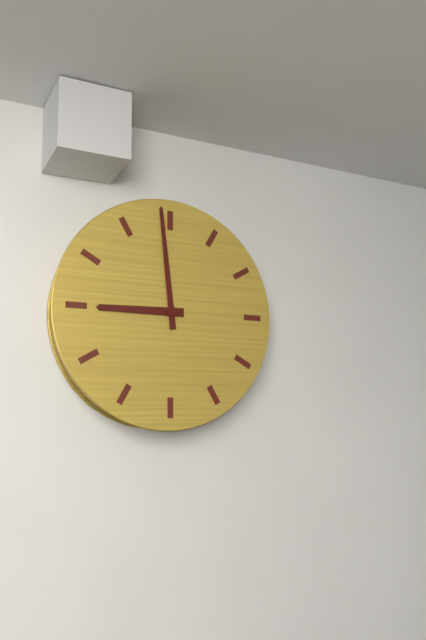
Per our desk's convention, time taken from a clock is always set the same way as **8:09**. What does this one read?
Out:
**8:59**
